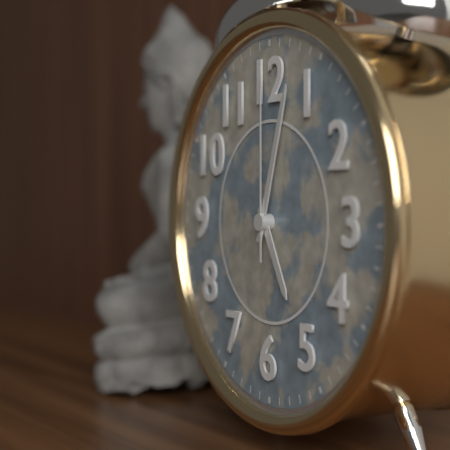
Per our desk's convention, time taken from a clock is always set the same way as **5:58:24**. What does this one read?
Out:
**5:03:00**
